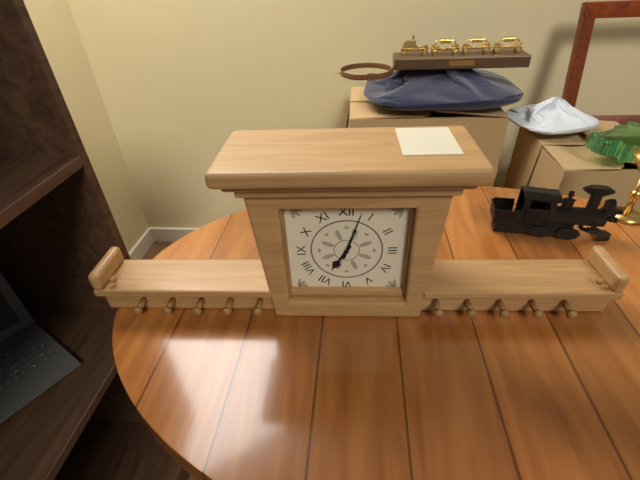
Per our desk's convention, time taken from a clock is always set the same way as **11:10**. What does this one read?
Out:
**7:03**
